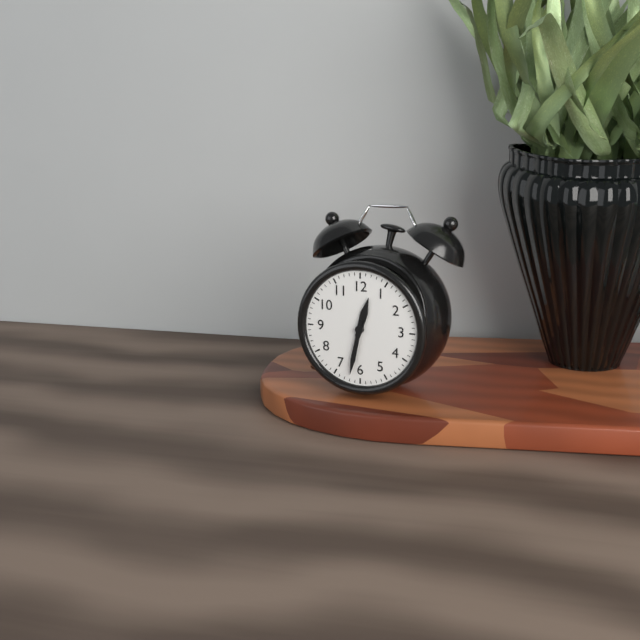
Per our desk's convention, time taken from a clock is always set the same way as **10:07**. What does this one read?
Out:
**12:32**
